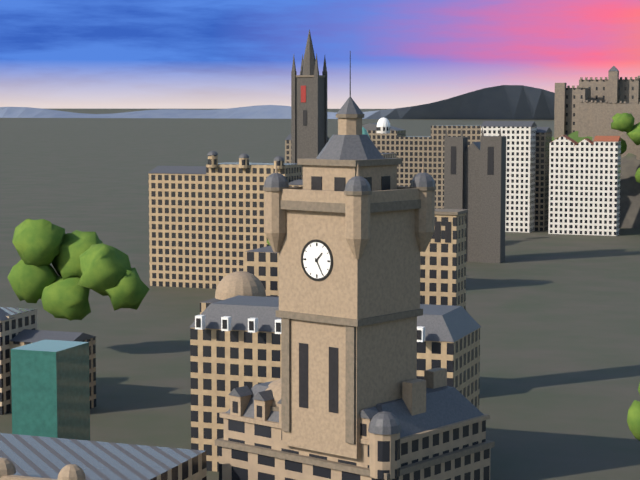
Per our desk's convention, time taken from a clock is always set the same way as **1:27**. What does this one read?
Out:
**1:25**
